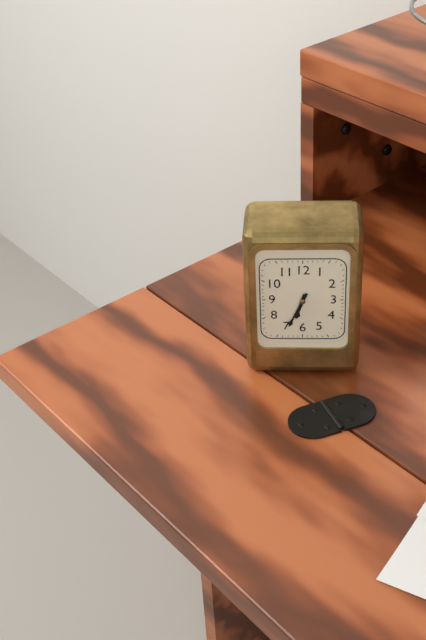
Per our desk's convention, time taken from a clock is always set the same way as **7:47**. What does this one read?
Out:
**6:34**
